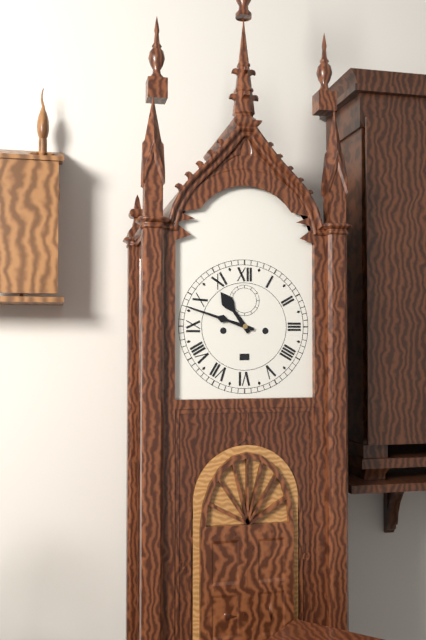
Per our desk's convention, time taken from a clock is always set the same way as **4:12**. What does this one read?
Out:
**10:48**
